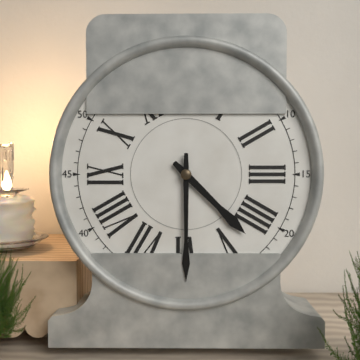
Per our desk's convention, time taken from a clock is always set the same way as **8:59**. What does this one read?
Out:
**4:30**
